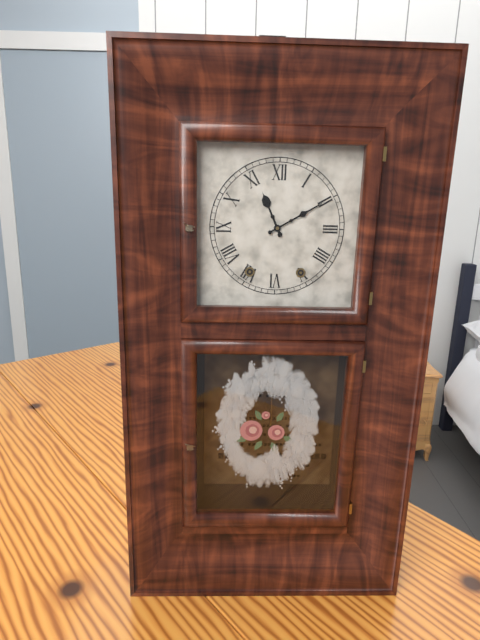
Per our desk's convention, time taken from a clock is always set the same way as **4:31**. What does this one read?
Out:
**11:10**
